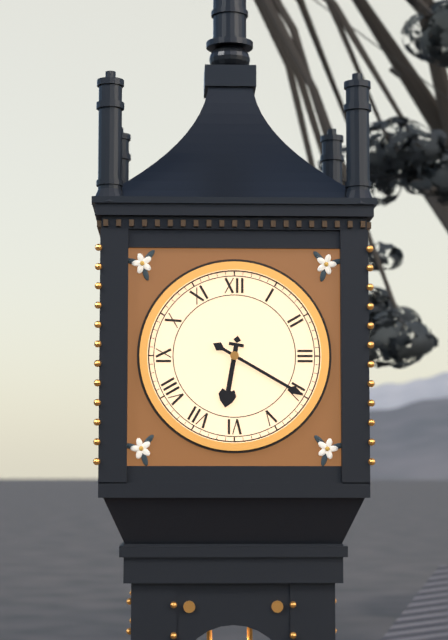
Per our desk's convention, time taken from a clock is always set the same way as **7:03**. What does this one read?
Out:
**6:20**
